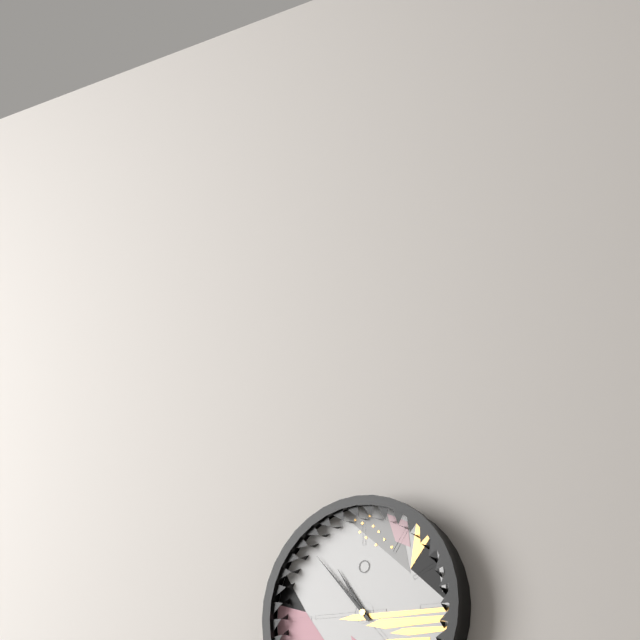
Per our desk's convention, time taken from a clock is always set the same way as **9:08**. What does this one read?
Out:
**10:53**
